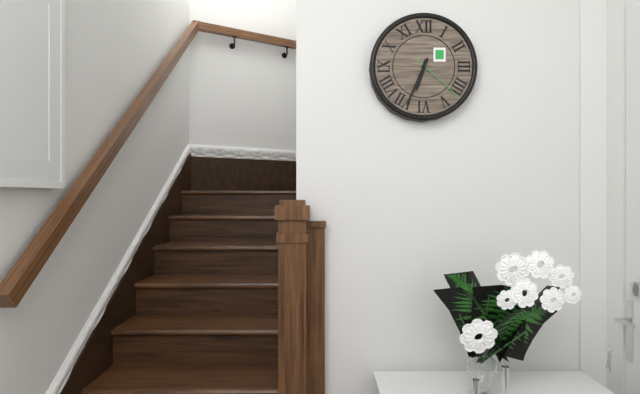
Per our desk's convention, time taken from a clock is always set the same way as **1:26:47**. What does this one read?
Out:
**6:34:22**
